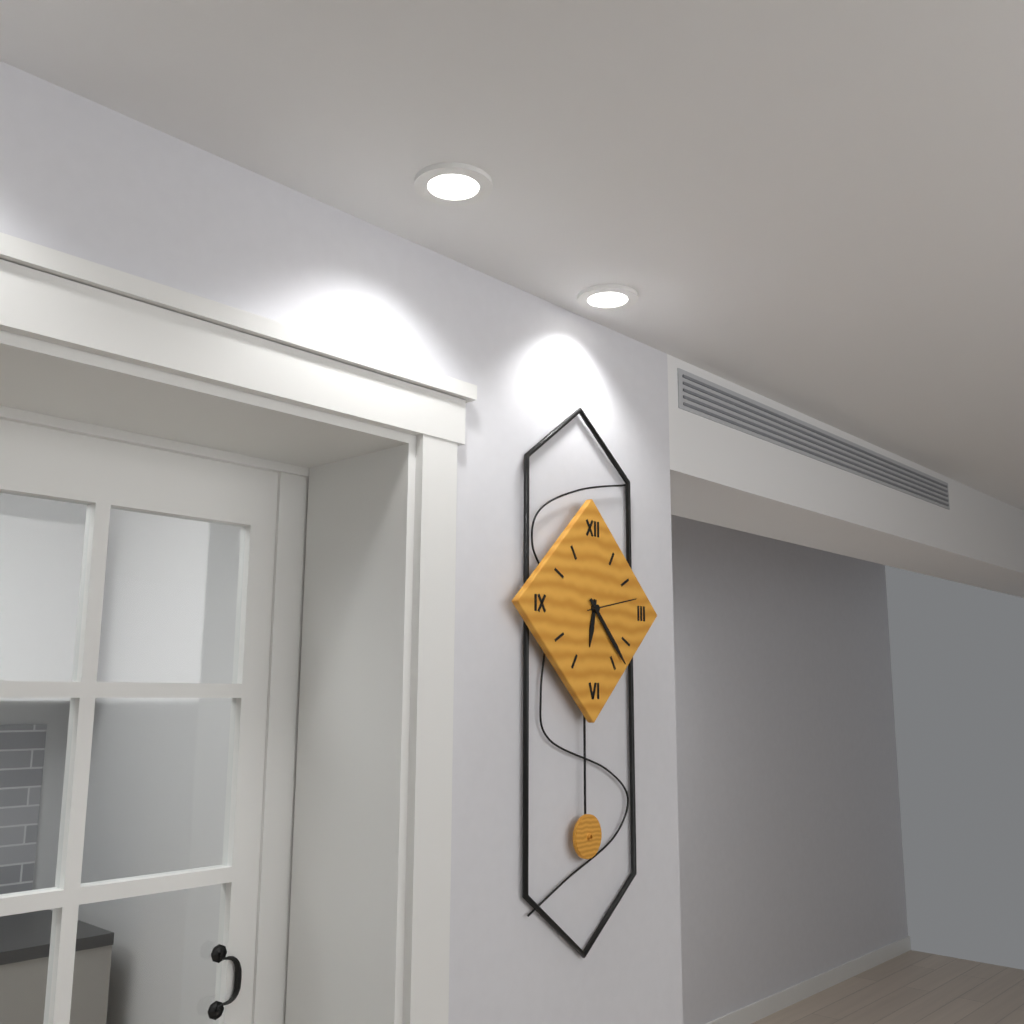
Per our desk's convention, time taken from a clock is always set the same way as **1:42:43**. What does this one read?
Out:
**6:23:13**
